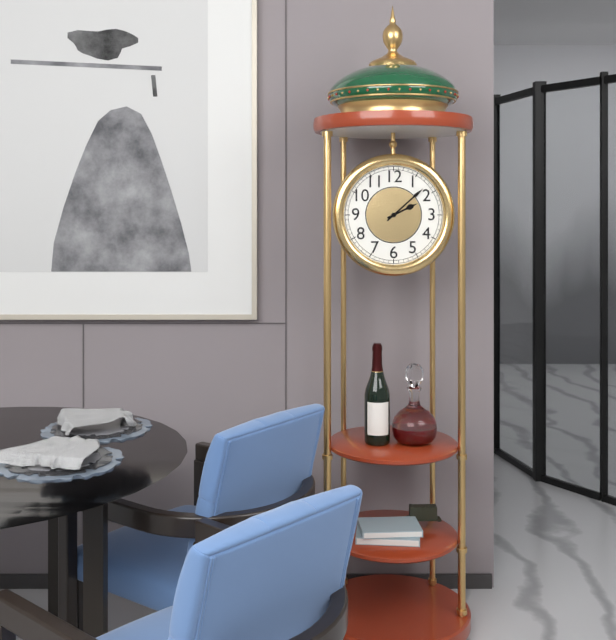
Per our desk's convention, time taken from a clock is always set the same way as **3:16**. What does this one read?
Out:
**2:08**
